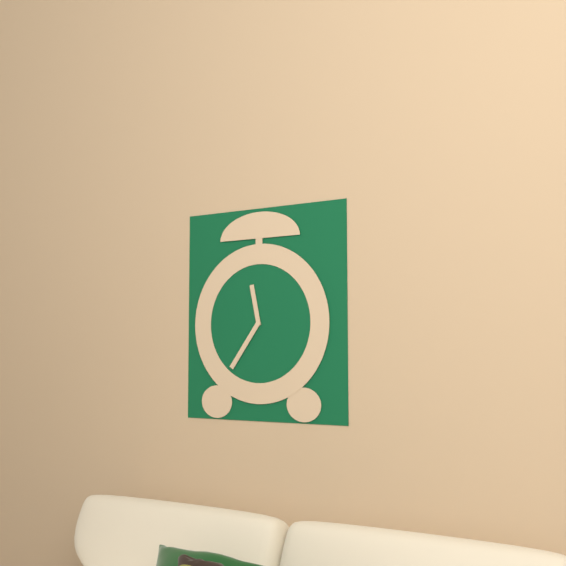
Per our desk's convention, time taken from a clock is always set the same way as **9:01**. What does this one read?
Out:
**11:36**
